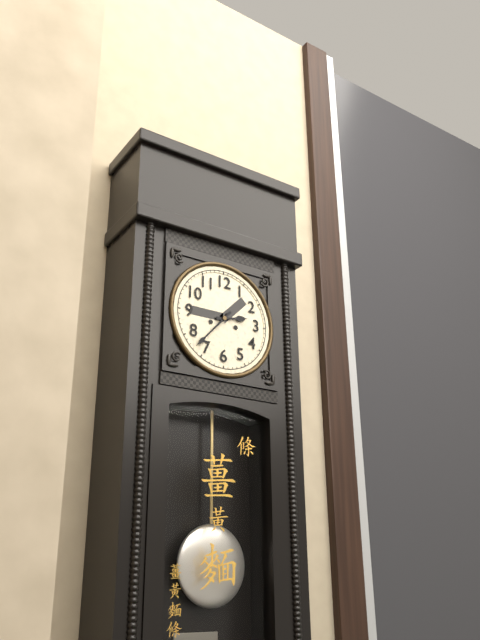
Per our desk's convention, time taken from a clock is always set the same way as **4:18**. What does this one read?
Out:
**2:37**
